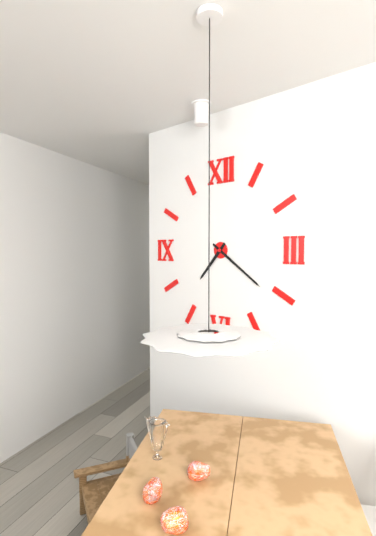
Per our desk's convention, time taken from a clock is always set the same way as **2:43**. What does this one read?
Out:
**7:21**
